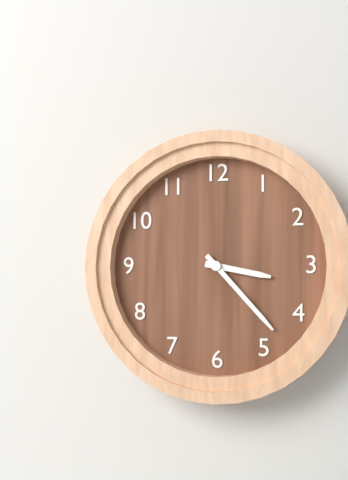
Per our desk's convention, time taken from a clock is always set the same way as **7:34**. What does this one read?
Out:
**3:23**
